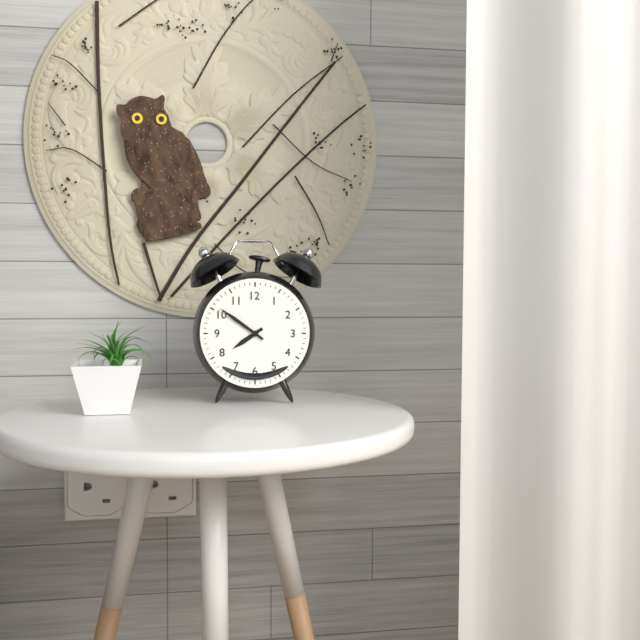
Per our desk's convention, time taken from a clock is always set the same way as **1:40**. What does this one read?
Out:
**7:51**
